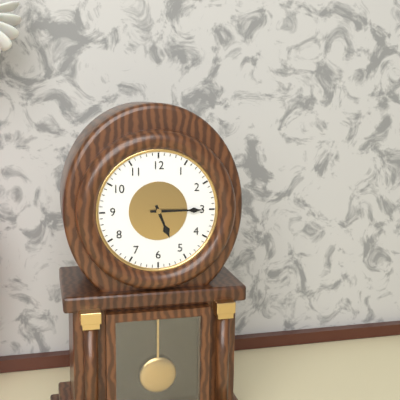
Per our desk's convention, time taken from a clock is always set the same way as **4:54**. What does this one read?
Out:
**5:15**
